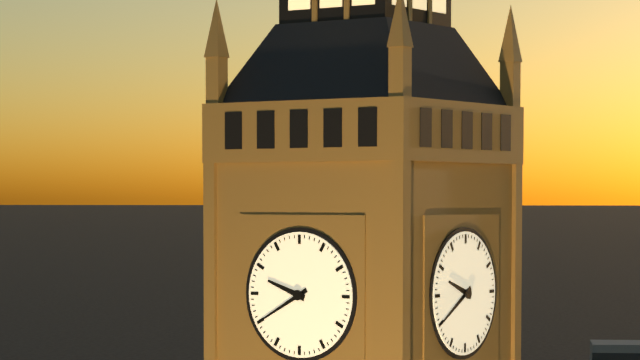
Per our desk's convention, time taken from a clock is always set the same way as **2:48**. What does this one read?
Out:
**9:40**
